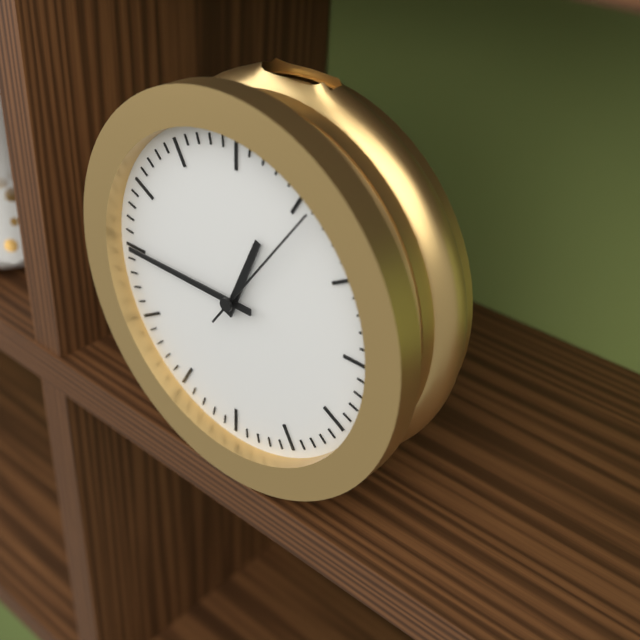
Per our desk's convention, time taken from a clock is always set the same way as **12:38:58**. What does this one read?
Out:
**12:45:06**
